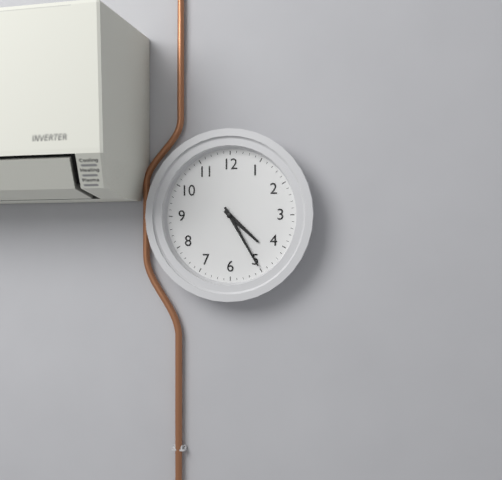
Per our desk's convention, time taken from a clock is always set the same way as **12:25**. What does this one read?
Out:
**4:25**
